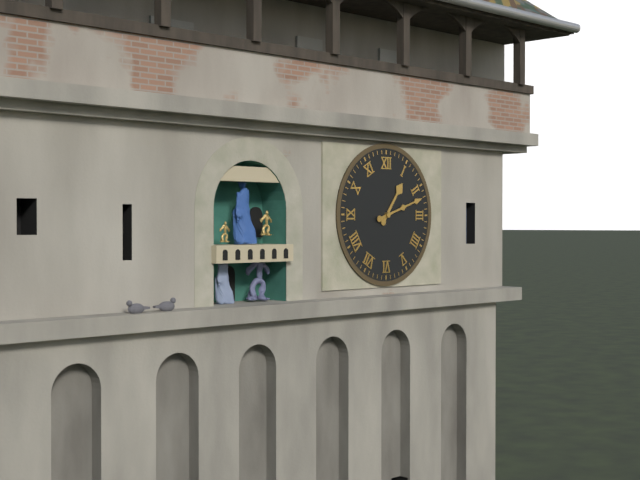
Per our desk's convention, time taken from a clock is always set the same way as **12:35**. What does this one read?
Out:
**1:12**
